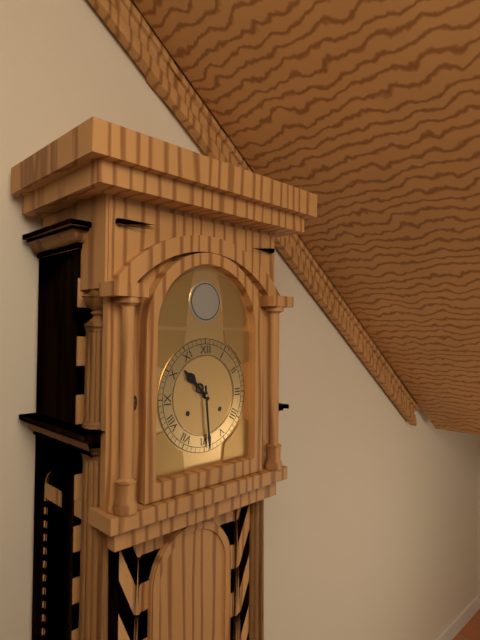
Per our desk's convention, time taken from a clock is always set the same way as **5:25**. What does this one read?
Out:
**10:29**
